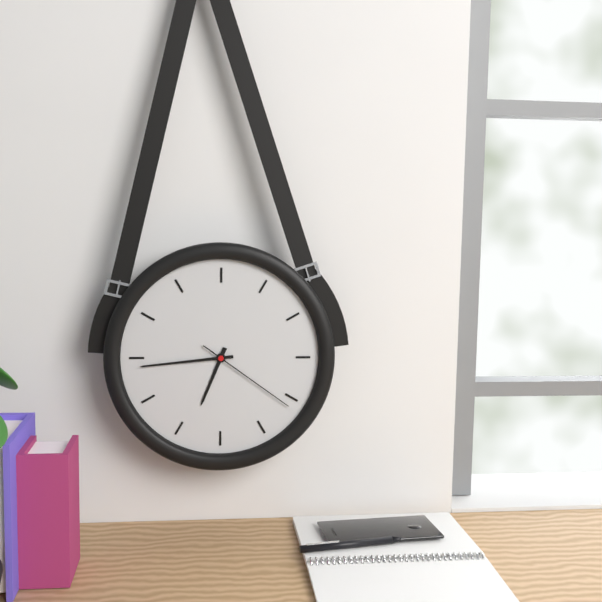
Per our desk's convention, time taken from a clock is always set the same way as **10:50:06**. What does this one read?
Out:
**6:44:21**
